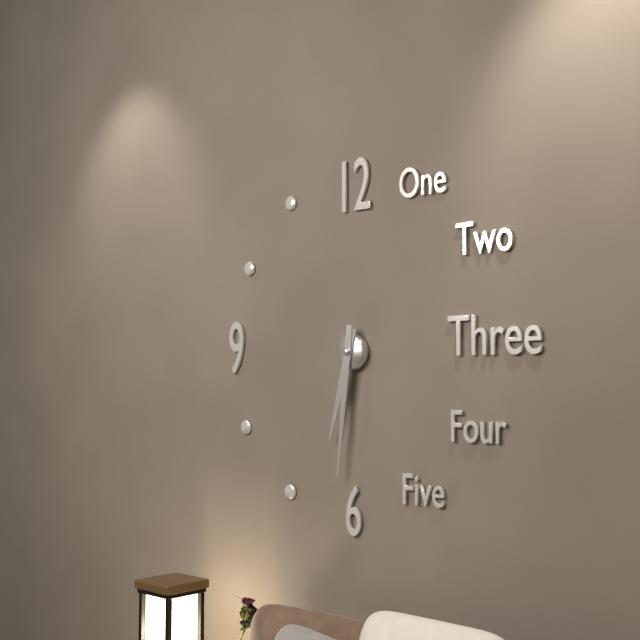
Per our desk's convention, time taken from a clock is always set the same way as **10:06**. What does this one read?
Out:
**6:31**
